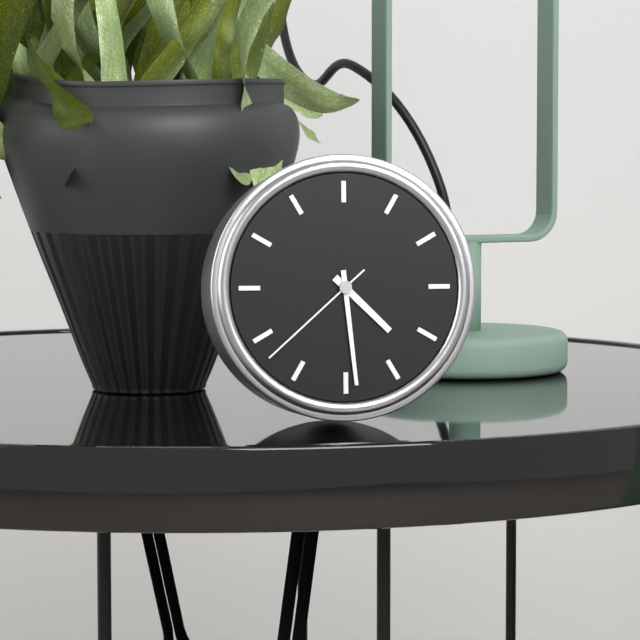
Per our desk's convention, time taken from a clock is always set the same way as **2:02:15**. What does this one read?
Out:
**4:29:38**
